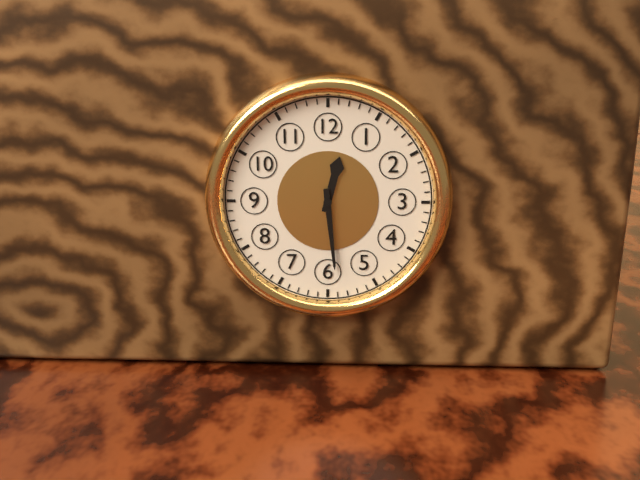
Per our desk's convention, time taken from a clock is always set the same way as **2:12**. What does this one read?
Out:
**12:29**
